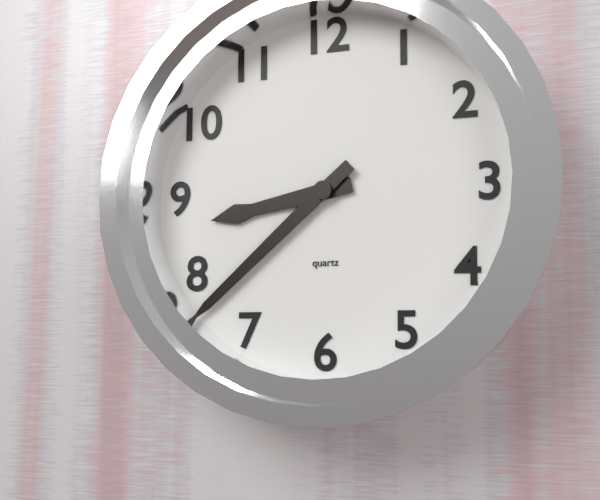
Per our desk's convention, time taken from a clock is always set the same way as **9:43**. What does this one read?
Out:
**8:38**
